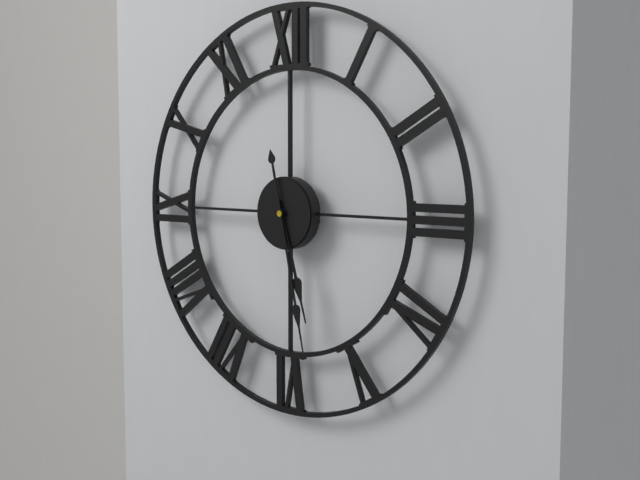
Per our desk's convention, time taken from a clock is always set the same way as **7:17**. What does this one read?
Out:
**5:28**
